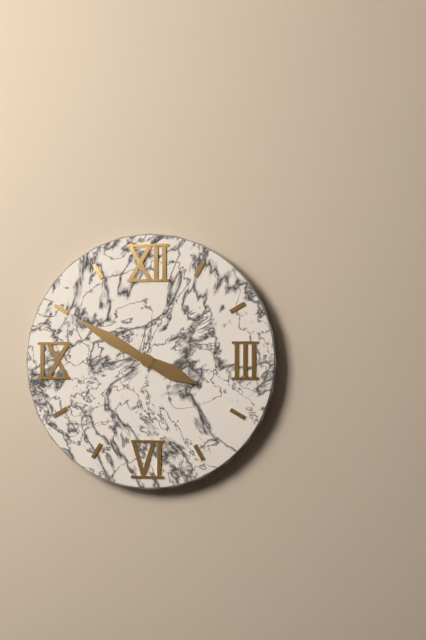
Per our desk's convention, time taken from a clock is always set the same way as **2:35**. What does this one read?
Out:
**3:50**
